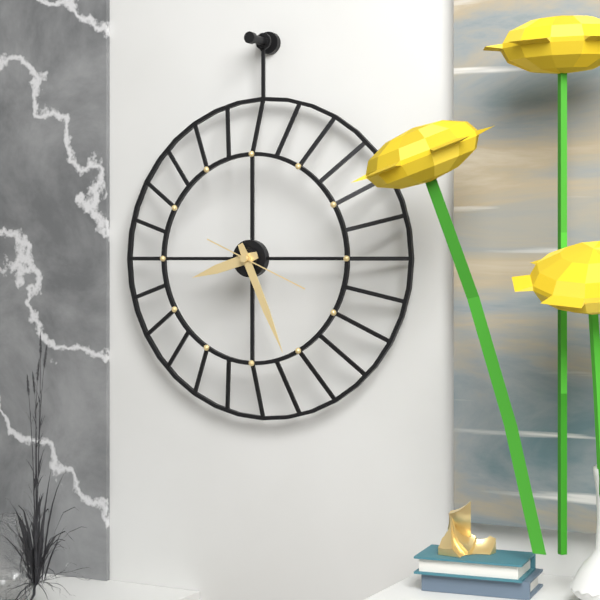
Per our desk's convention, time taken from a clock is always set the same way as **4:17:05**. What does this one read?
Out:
**8:26:19**
